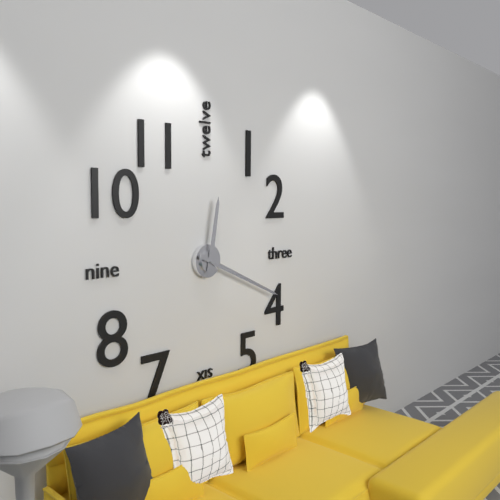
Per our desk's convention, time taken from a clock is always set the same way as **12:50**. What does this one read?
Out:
**12:19**
